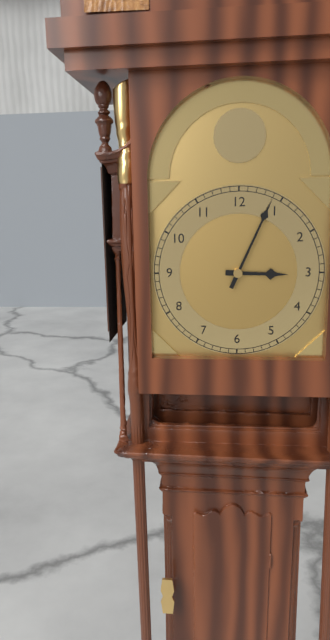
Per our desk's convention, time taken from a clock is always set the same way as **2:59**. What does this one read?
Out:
**3:04**
